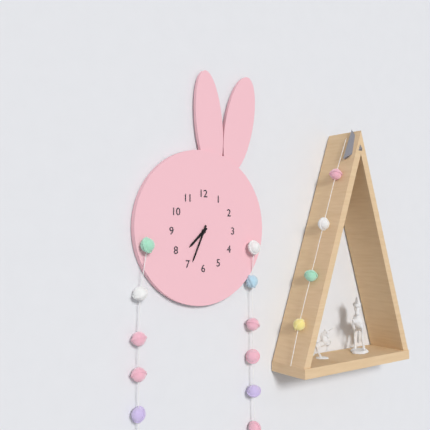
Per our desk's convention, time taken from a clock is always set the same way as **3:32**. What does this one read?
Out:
**7:34**
